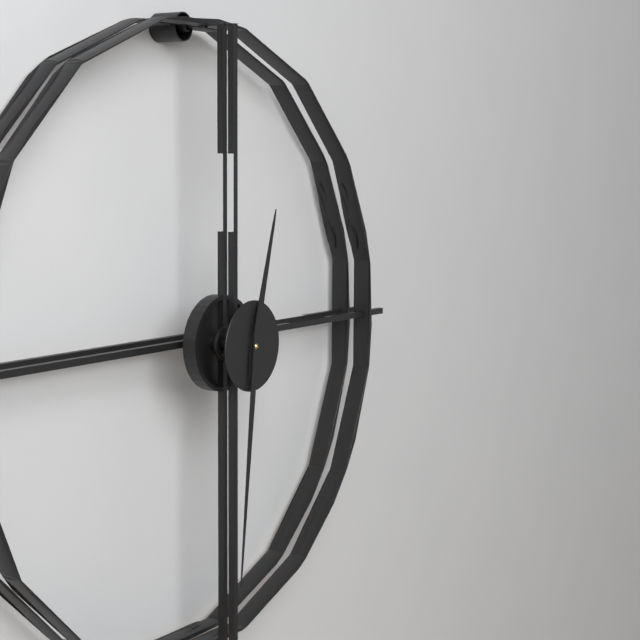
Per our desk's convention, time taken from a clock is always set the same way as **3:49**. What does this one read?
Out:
**12:31**
